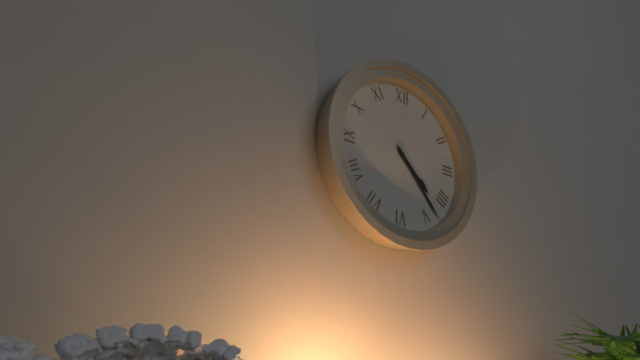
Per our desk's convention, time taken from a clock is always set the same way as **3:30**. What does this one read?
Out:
**4:23**
